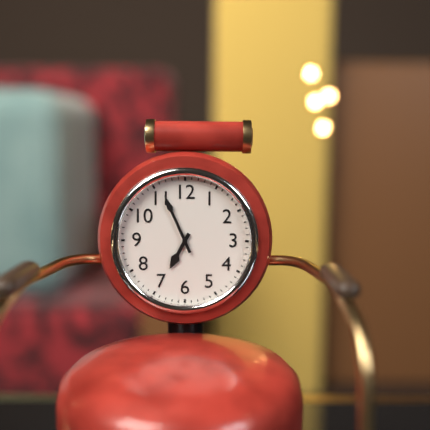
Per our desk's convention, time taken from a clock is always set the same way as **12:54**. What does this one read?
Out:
**6:56**
